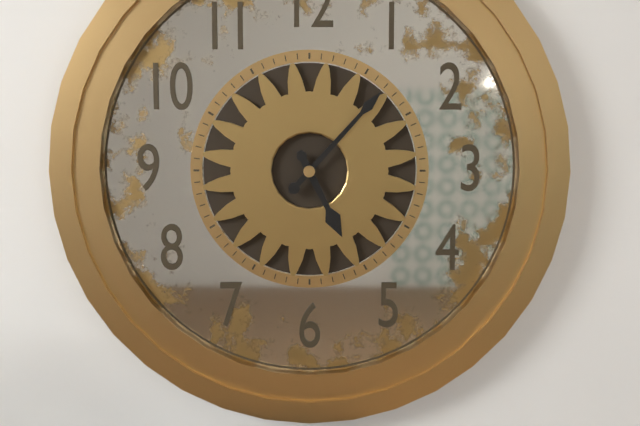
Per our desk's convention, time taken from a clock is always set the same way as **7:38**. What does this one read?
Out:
**5:07**
